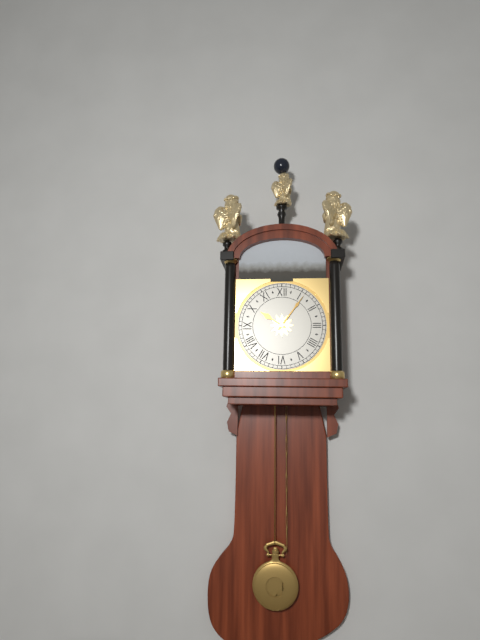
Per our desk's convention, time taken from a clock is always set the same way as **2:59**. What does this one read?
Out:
**10:06**
